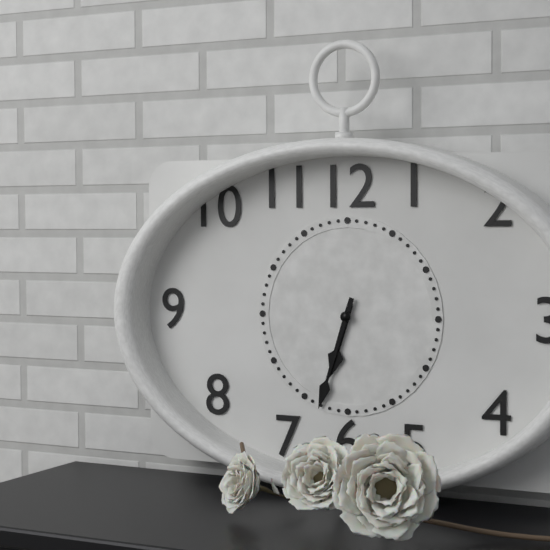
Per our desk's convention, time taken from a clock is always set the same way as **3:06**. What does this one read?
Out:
**6:33**
